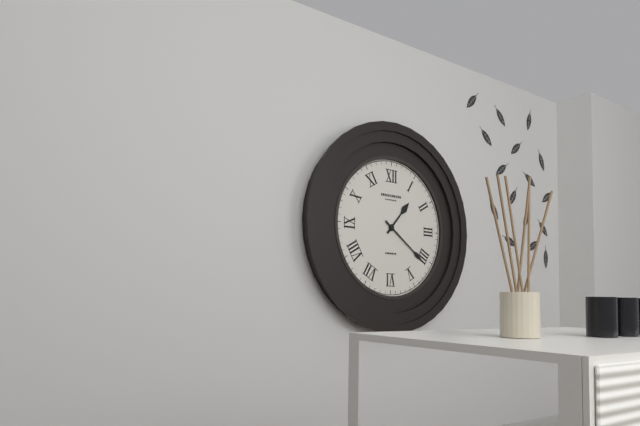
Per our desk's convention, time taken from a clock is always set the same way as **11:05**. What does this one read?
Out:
**1:21**
